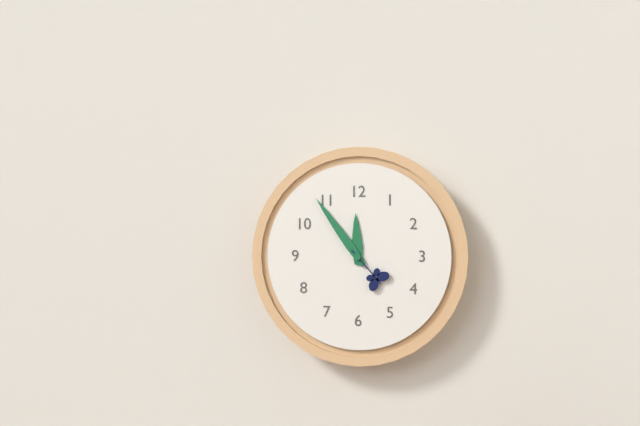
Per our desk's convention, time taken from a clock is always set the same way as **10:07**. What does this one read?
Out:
**11:54**
